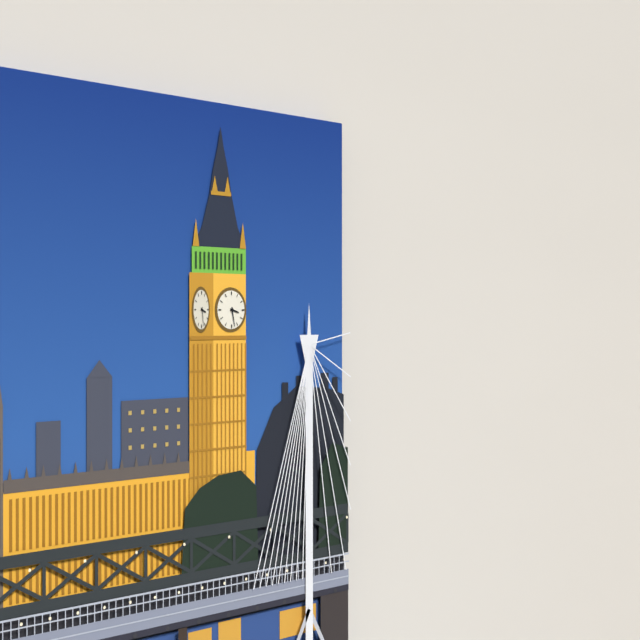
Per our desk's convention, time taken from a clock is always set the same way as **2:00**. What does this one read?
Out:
**3:28**
